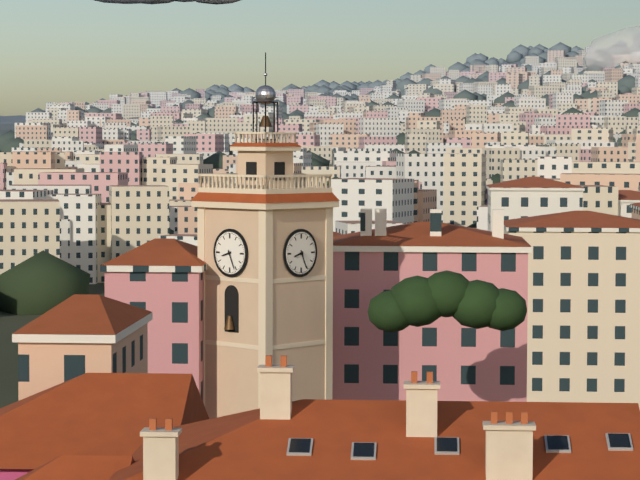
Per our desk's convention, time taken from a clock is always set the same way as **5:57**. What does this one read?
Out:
**8:26**
